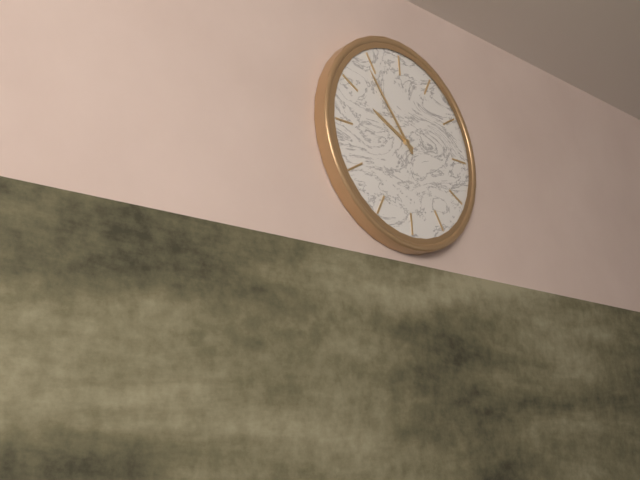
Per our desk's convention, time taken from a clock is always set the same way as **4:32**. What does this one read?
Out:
**9:54**
